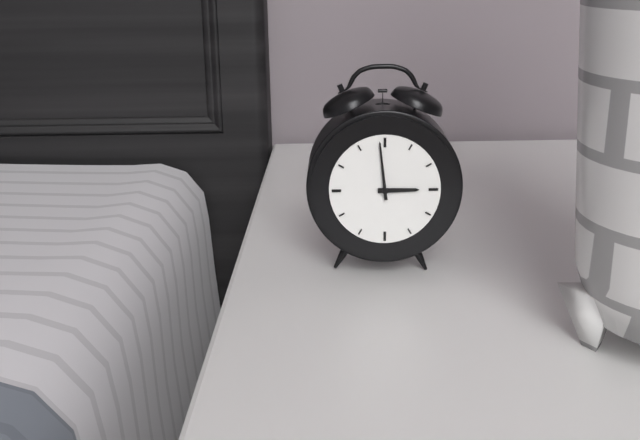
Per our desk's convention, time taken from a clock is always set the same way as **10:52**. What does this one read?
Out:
**2:59**
